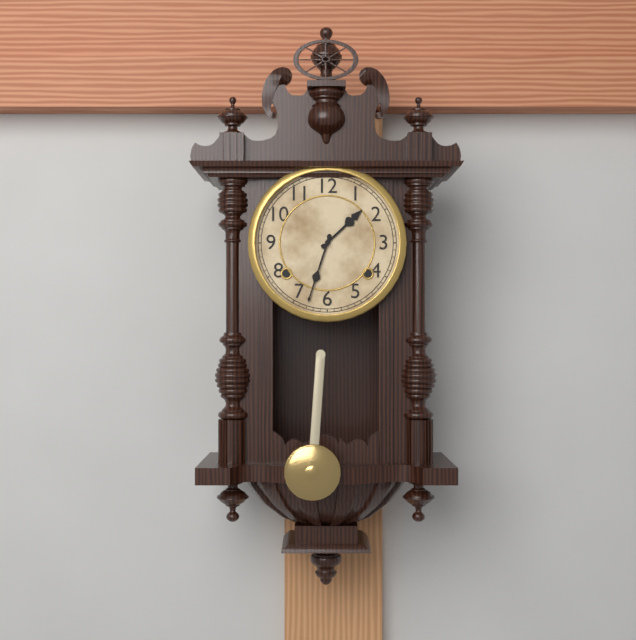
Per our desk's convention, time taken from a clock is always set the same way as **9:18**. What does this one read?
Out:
**1:33**
